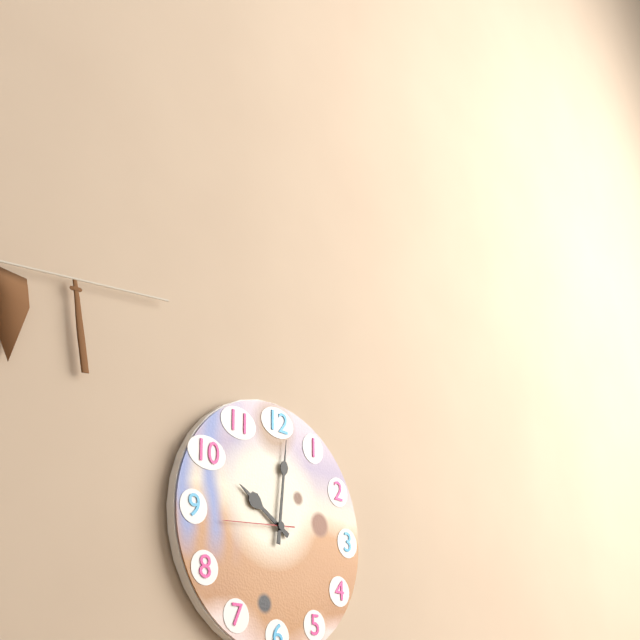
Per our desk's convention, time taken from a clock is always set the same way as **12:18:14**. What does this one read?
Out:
**10:01:44**
